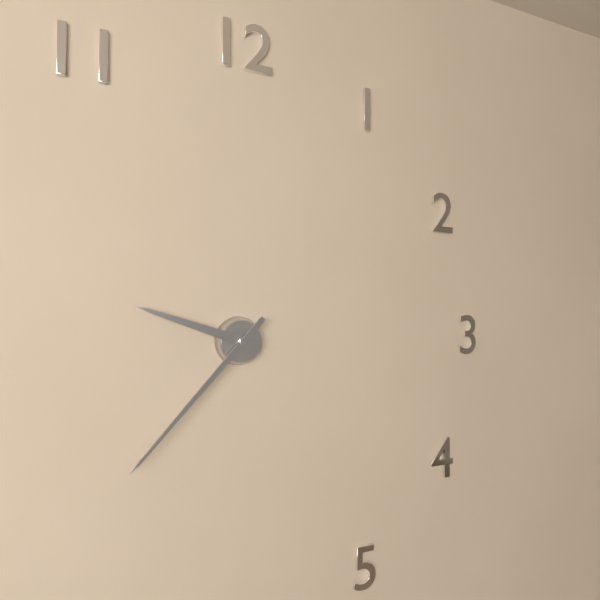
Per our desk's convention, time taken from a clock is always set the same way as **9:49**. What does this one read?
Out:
**9:37**
